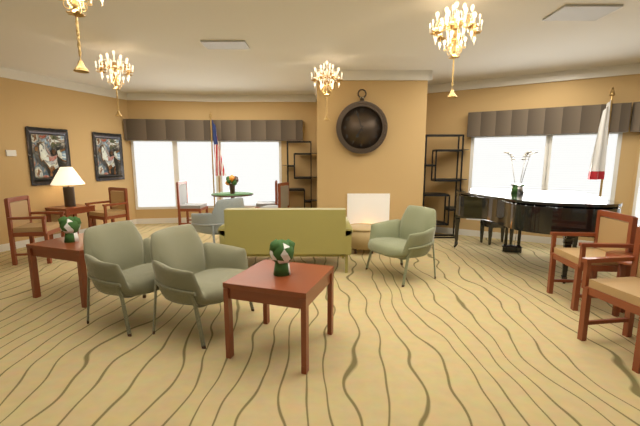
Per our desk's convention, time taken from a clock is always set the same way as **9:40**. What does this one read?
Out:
**6:57**
